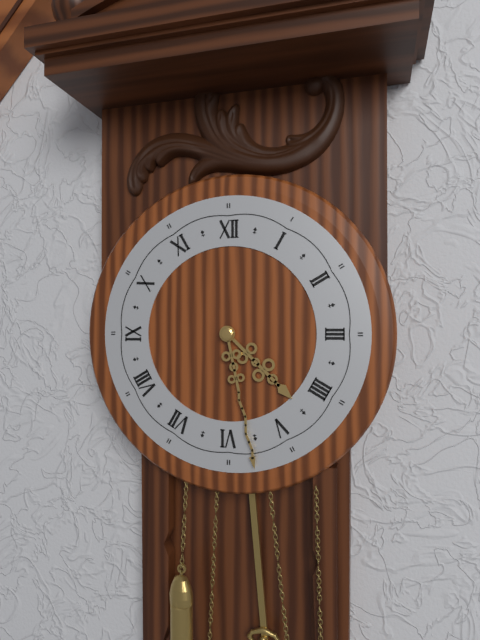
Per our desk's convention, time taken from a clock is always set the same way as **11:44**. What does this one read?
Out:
**4:28**
